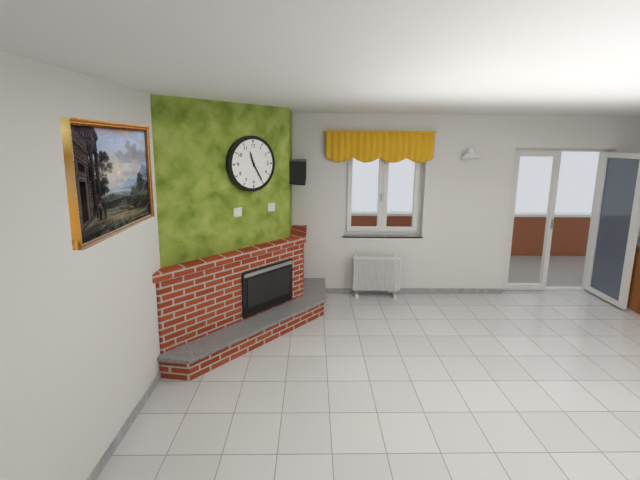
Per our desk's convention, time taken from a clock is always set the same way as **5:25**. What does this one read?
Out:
**11:25**
